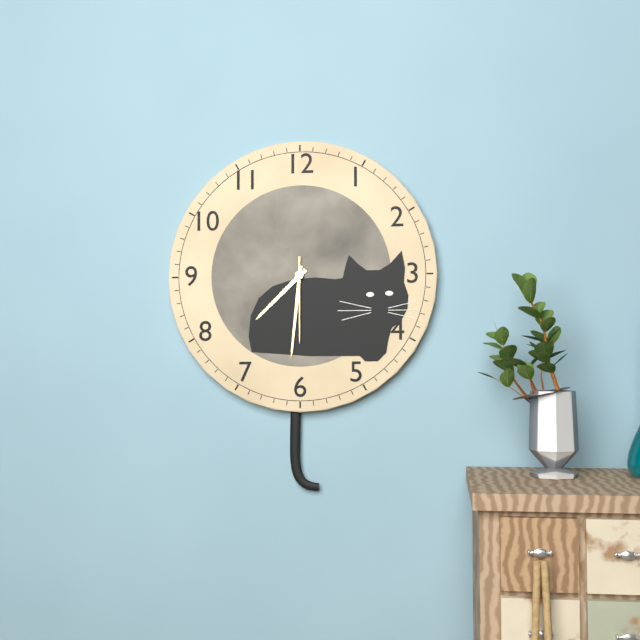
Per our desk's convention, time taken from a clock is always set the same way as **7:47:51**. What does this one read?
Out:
**7:31:30**
